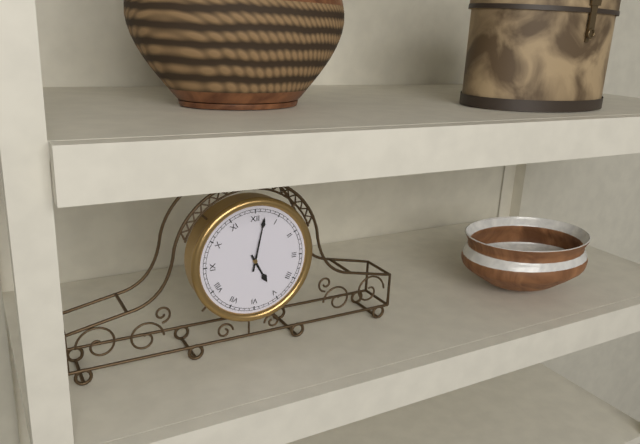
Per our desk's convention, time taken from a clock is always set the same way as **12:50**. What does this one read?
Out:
**5:02**
